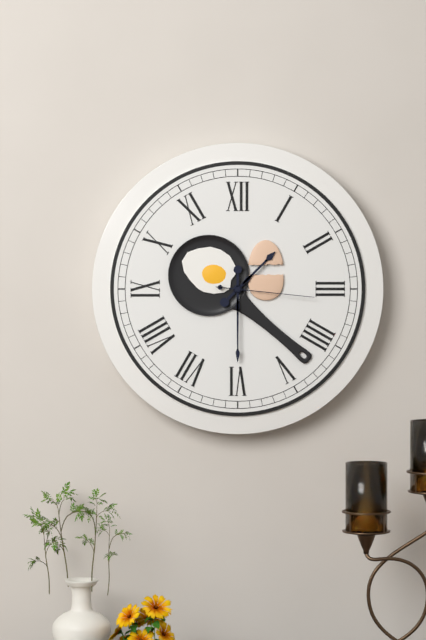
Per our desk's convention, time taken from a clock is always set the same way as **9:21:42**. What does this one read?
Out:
**1:30:16**
